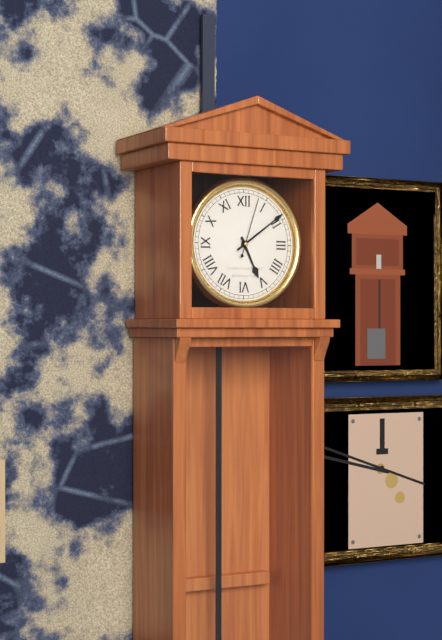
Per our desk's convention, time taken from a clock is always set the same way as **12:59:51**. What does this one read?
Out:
**5:09:03**
